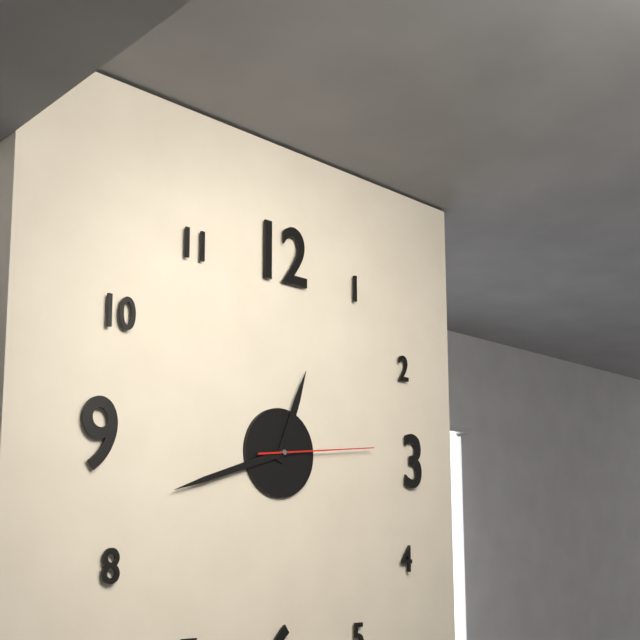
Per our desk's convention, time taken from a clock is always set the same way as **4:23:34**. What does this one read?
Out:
**12:42:14**
